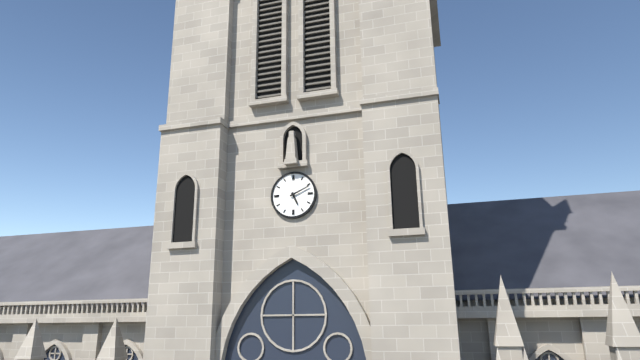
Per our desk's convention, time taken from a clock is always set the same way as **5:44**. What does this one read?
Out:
**5:11**
